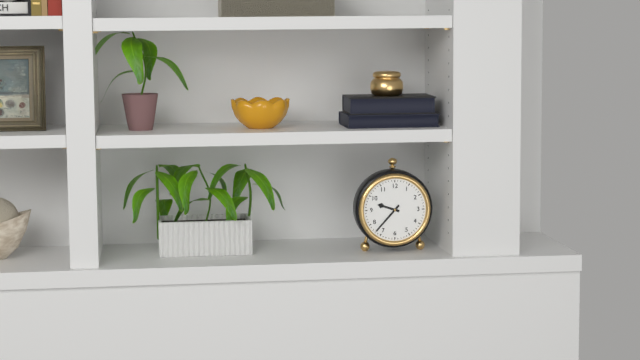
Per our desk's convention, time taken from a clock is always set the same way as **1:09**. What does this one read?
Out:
**9:37**
